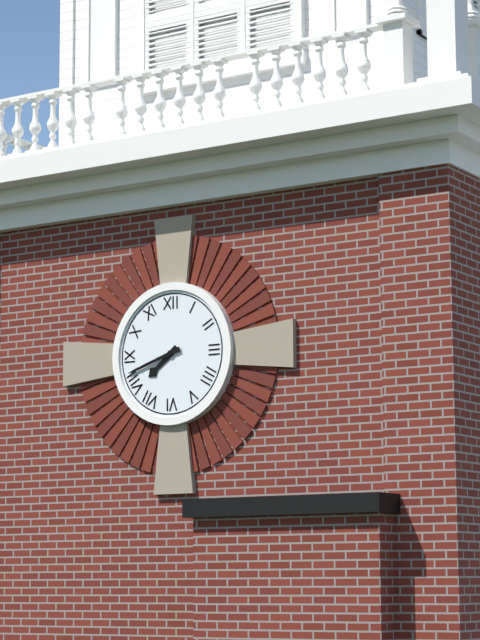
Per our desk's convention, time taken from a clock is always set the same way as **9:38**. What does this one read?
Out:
**7:42**
